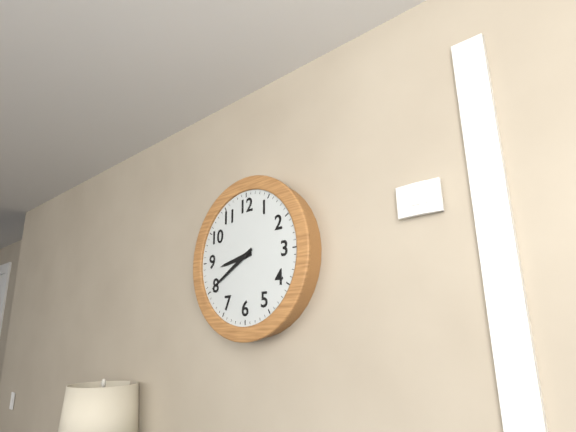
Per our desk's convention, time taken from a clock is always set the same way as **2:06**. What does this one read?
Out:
**8:40**
